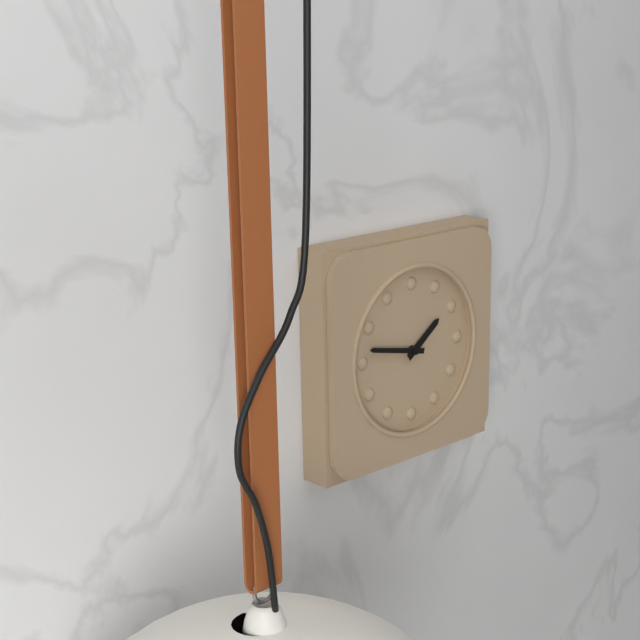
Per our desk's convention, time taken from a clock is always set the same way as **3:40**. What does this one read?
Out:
**1:47**
